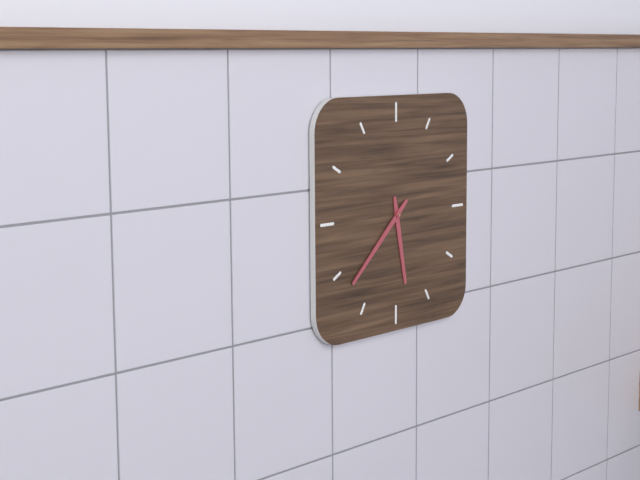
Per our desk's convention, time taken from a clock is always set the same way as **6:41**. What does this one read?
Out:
**5:38**
